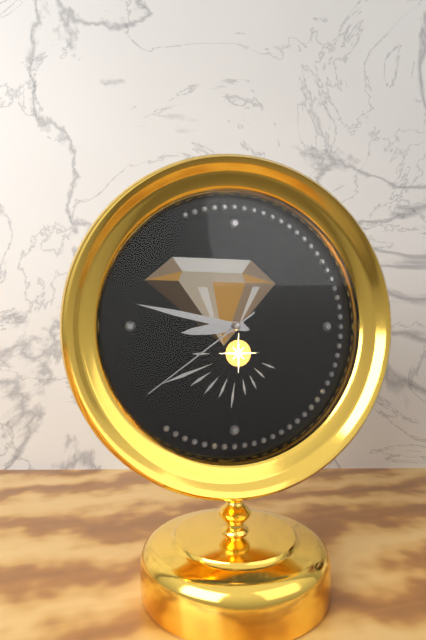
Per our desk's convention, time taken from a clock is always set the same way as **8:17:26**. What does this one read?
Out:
**8:47:39**
